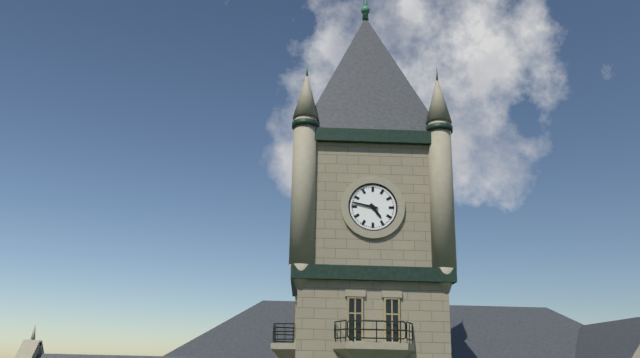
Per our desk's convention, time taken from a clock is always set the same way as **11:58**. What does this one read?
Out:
**4:47**
